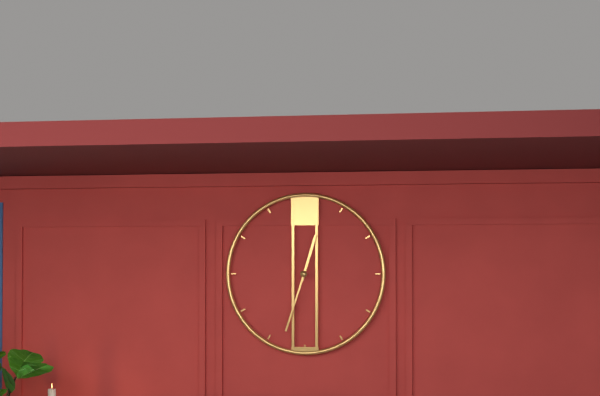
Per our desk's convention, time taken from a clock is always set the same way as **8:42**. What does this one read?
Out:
**12:33**
